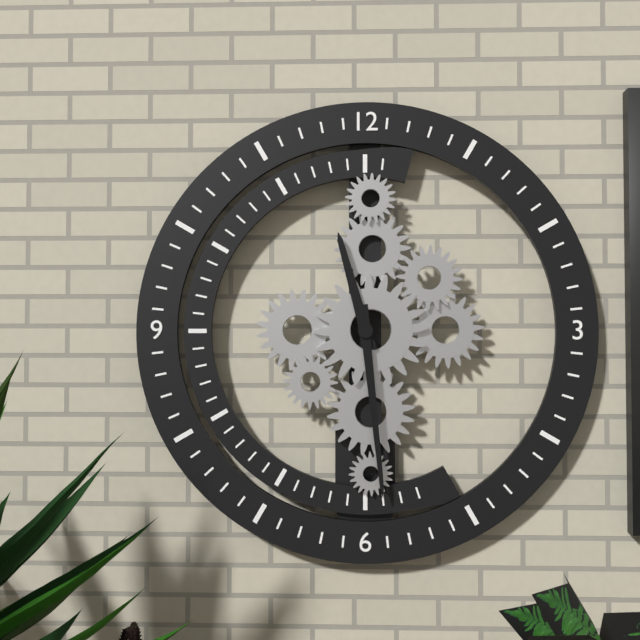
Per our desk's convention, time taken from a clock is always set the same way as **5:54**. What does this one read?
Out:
**11:29**
